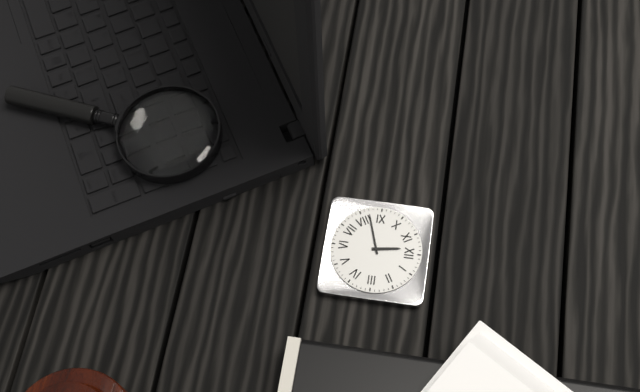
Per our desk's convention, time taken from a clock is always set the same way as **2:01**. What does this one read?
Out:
**11:42**
